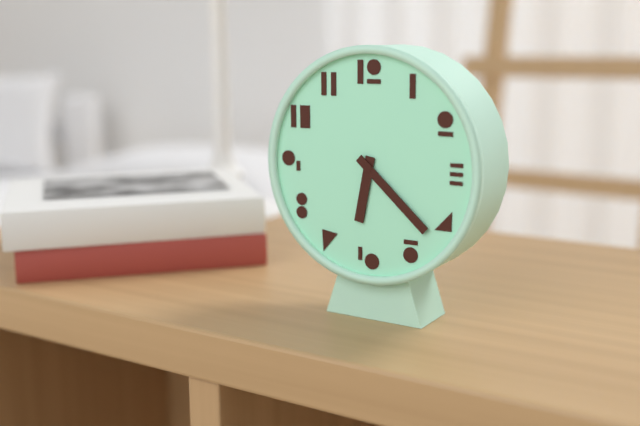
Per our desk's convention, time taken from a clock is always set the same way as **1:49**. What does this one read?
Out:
**6:22**
